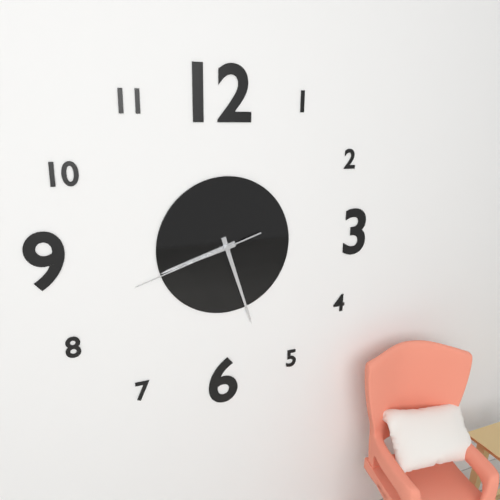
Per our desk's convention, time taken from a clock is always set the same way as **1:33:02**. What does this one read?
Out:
**8:27:42**
